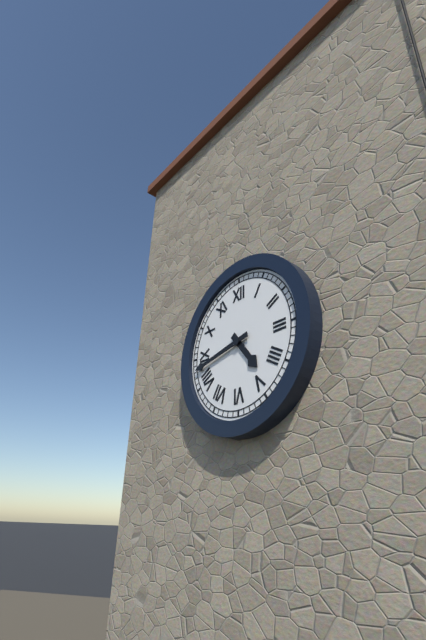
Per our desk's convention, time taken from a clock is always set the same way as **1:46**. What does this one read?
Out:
**4:43**
